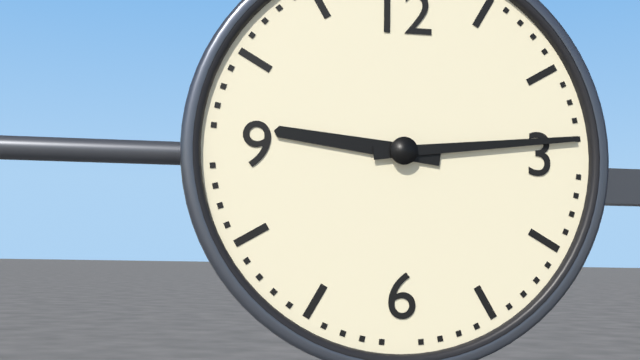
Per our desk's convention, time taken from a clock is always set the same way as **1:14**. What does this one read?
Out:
**9:14**
